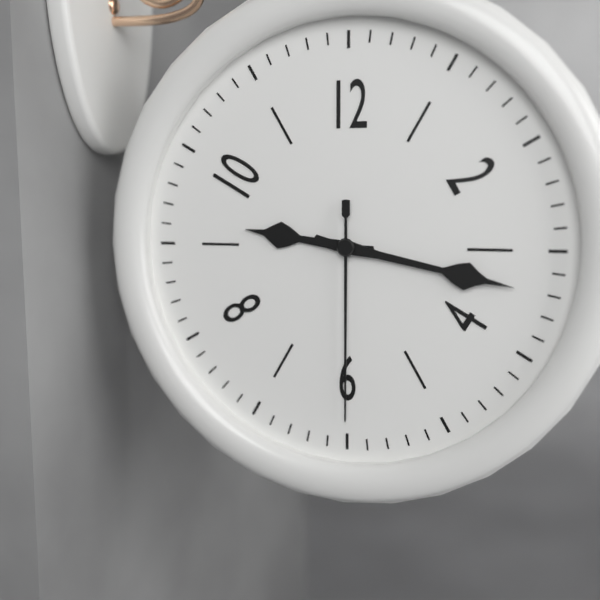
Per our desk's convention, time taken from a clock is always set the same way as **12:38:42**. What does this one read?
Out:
**9:17:30**
